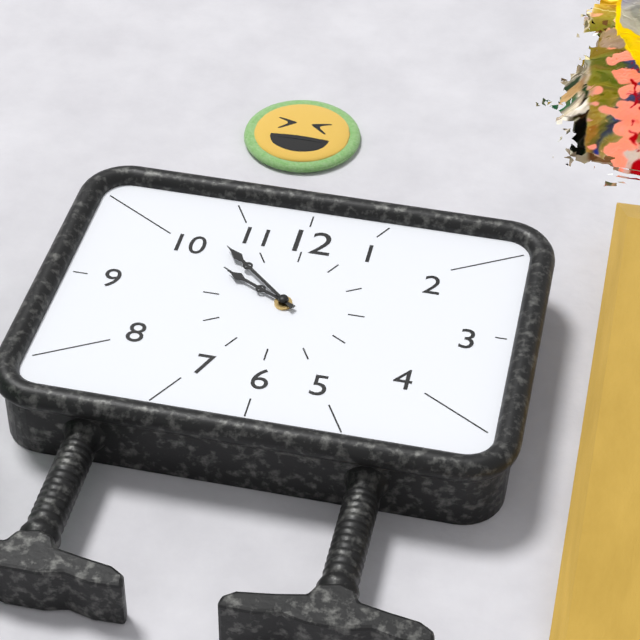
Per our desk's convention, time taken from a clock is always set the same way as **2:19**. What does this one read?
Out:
**9:52**
